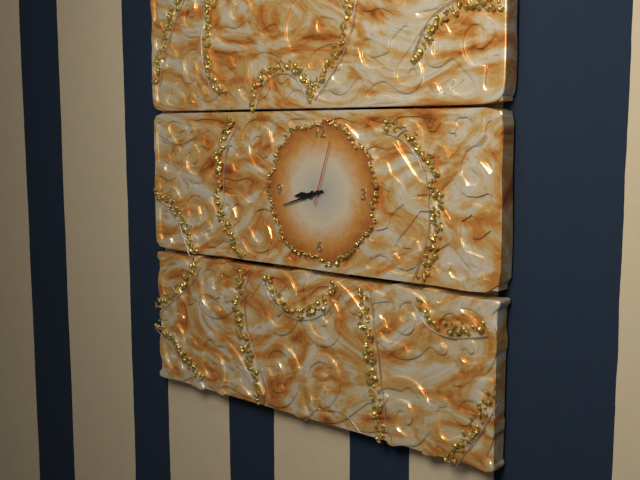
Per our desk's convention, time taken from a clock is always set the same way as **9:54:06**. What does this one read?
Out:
**8:42:03**
